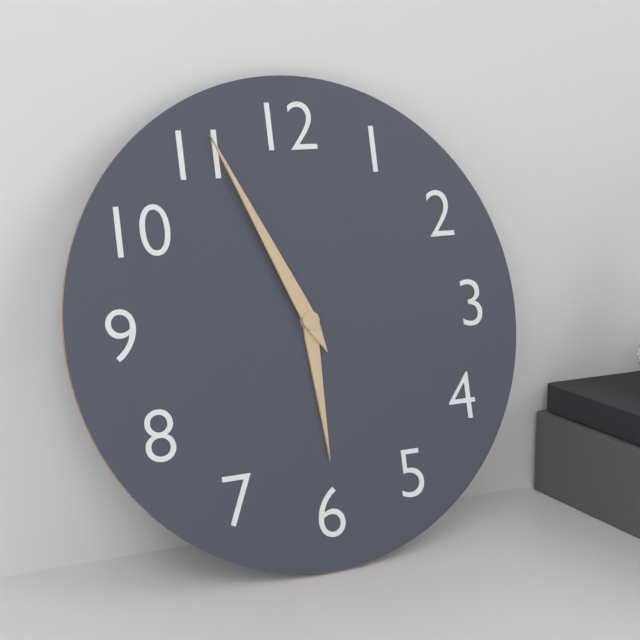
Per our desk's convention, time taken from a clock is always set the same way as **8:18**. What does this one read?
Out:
**5:56**
